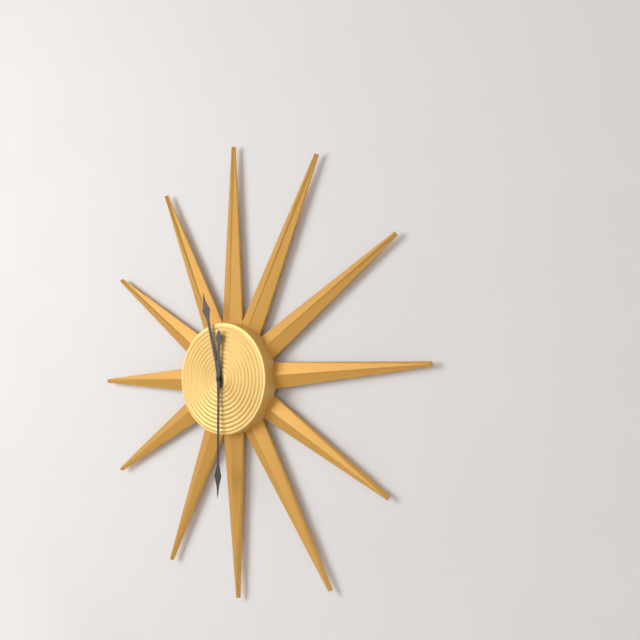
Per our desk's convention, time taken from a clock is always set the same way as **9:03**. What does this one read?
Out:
**11:30**
